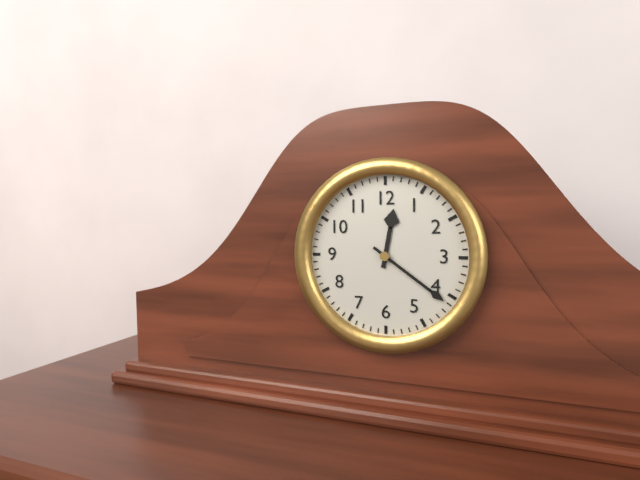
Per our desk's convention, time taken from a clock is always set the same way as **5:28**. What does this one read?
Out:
**12:21**
